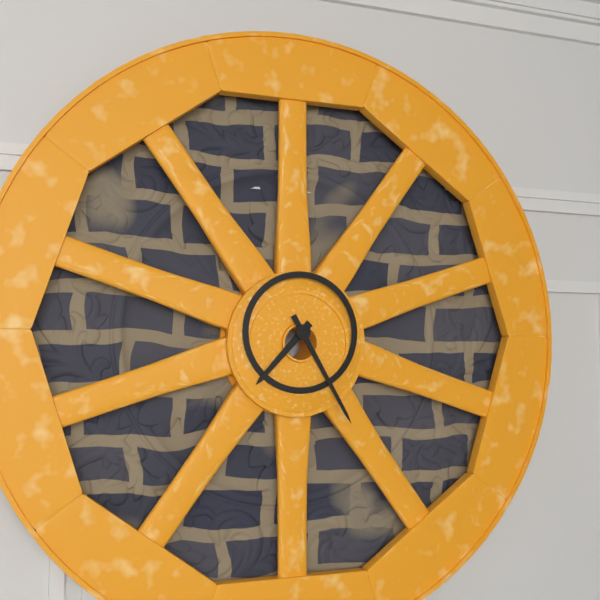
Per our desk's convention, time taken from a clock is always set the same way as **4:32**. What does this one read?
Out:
**7:25**
